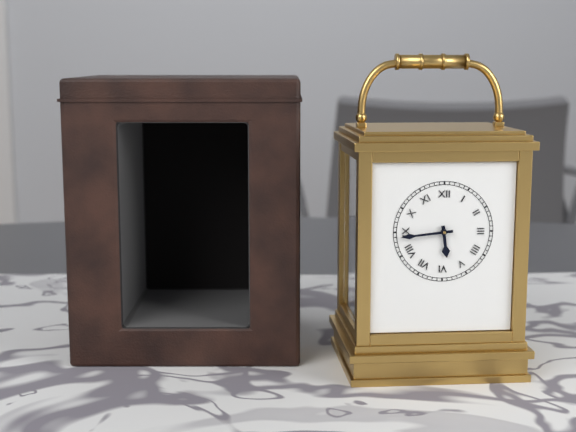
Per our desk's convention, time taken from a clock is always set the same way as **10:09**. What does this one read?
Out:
**5:44**
